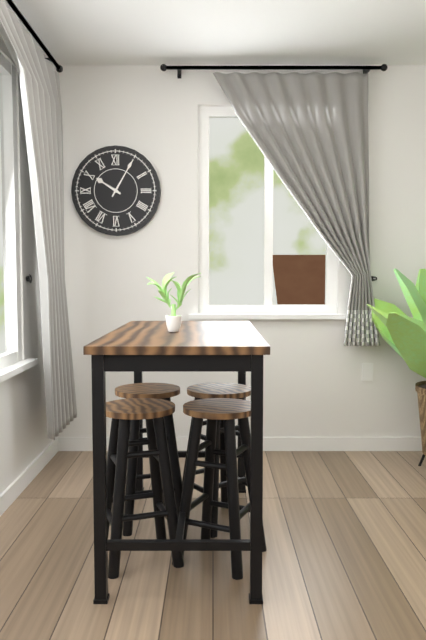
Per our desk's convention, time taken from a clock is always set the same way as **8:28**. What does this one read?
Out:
**10:05**
